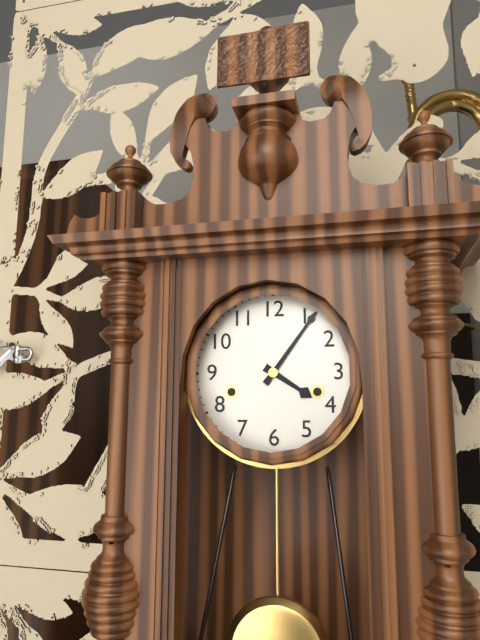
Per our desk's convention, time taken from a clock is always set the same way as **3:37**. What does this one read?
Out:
**4:06**
